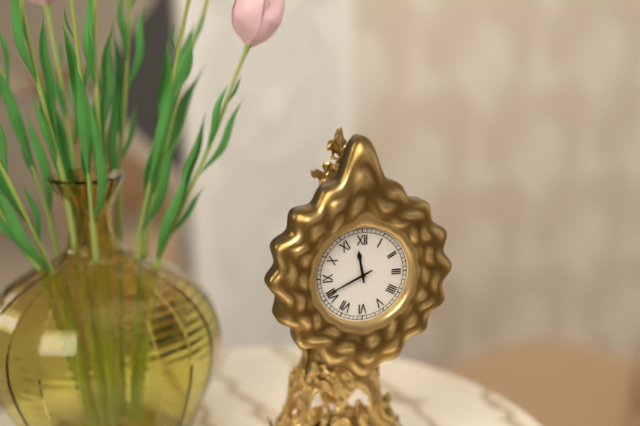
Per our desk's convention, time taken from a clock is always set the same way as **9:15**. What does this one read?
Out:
**11:41**
